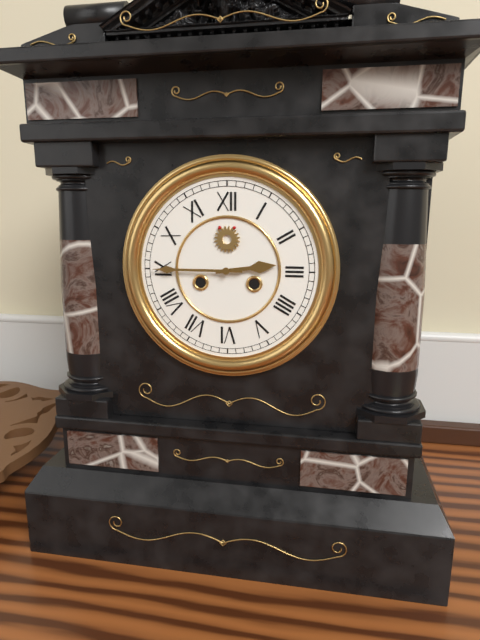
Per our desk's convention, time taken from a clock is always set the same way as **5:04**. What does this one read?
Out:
**2:45**
